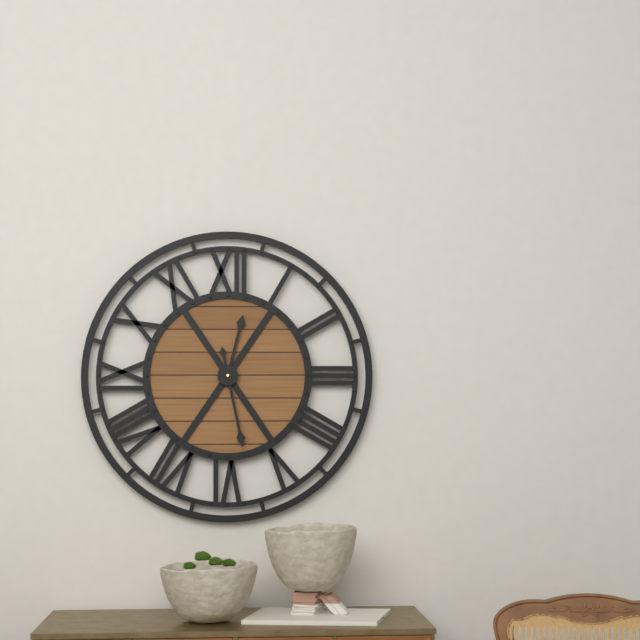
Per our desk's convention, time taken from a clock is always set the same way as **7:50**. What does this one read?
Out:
**12:28**
